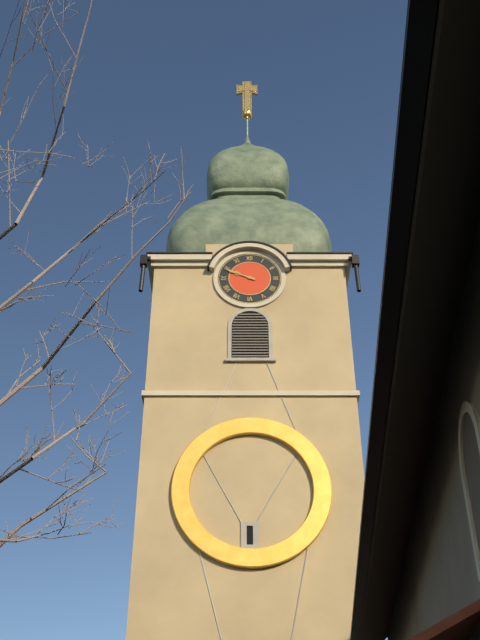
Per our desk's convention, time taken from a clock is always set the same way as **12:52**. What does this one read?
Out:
**9:49**
